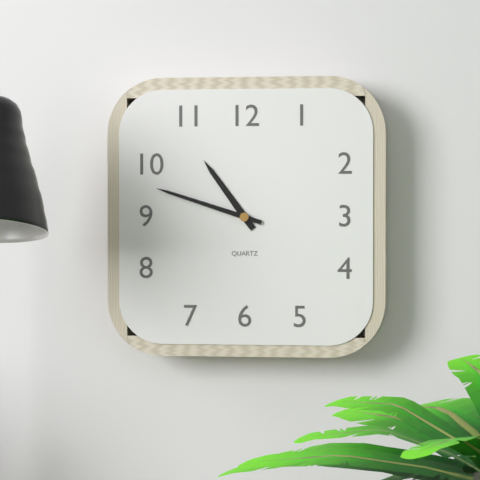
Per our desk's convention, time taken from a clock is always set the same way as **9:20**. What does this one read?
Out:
**10:48**
